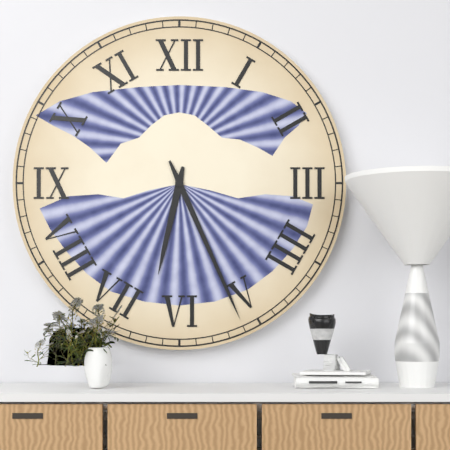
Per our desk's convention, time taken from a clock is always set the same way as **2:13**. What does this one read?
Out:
**6:26**
